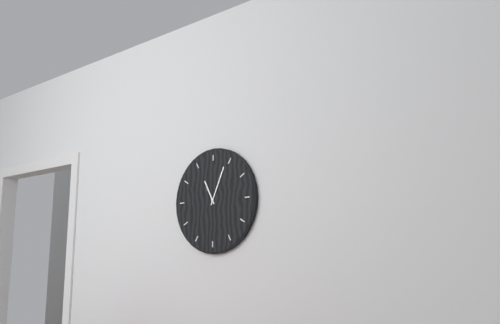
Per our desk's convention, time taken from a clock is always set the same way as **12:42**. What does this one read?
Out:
**11:04**
